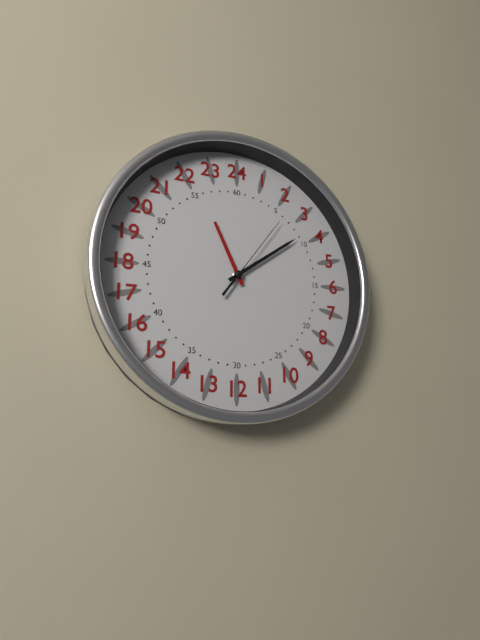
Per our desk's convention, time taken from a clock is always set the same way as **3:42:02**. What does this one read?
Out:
**11:09:06**
